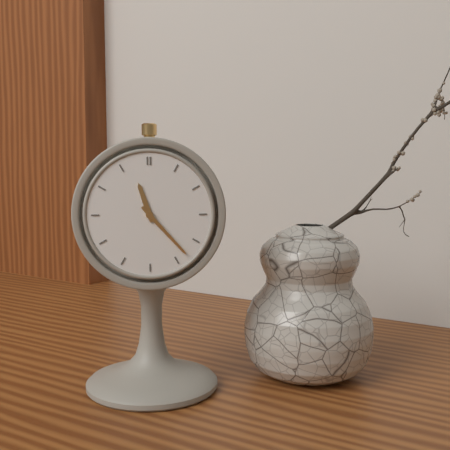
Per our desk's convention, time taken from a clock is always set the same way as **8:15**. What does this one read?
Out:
**11:23**
